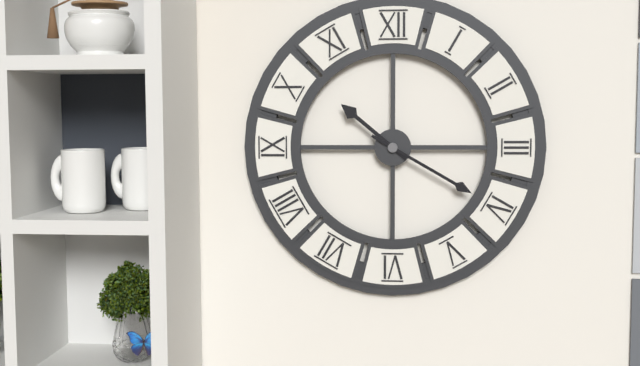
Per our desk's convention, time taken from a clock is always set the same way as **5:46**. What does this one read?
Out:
**10:20**
